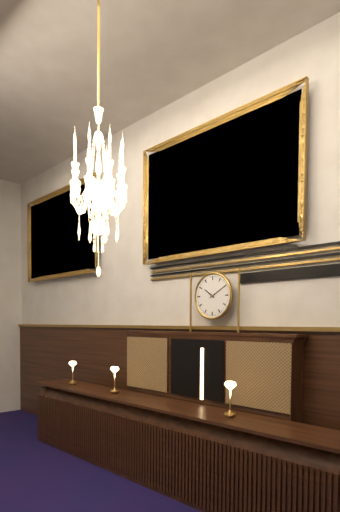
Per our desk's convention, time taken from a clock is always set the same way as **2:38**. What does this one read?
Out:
**10:10**
